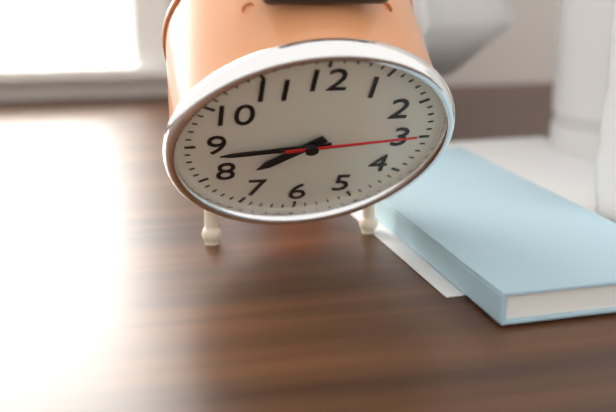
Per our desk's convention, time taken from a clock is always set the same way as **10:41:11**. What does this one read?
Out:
**7:44:14**
